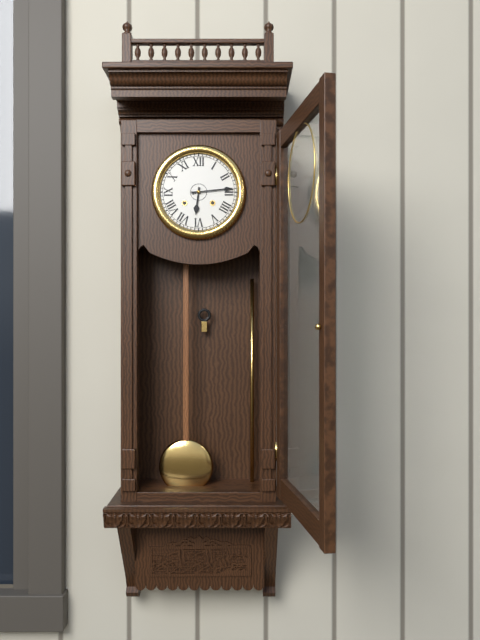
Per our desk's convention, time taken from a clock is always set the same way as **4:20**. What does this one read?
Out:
**6:14**
